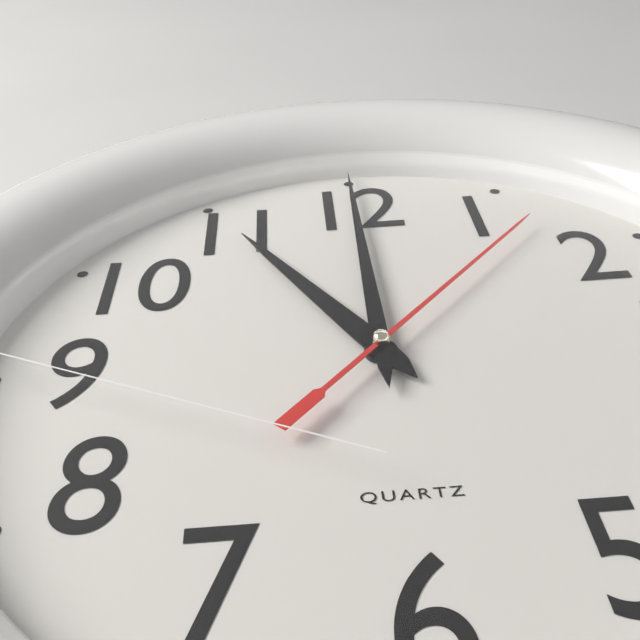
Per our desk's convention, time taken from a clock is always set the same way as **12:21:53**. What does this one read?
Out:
**11:00:07**
